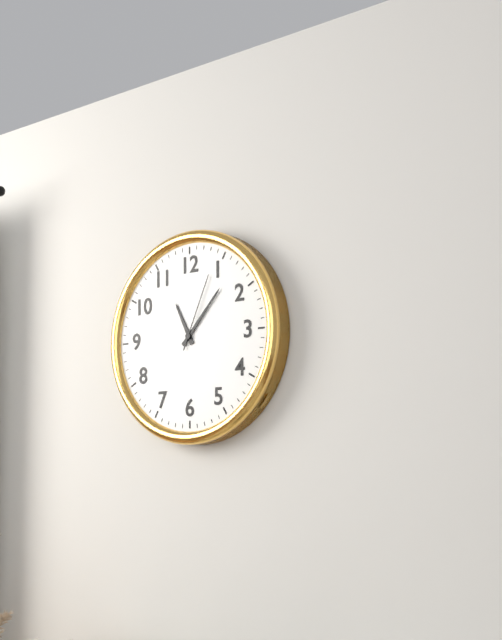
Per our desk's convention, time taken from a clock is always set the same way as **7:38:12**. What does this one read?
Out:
**11:07:04**
